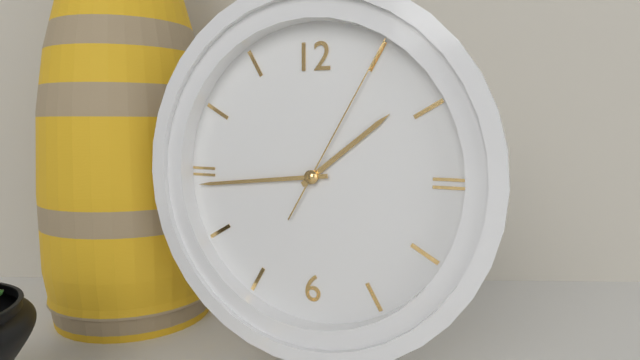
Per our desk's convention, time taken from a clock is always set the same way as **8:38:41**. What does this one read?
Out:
**1:44:05**
